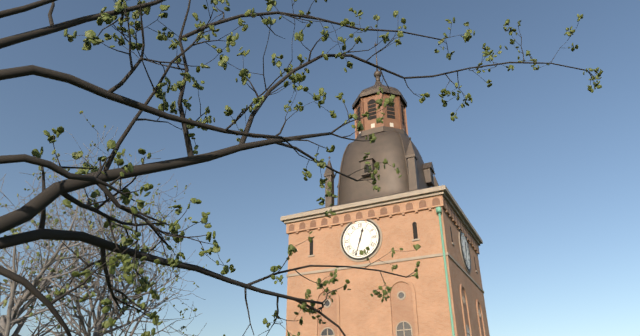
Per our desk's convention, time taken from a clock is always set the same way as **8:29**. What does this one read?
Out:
**12:33**
